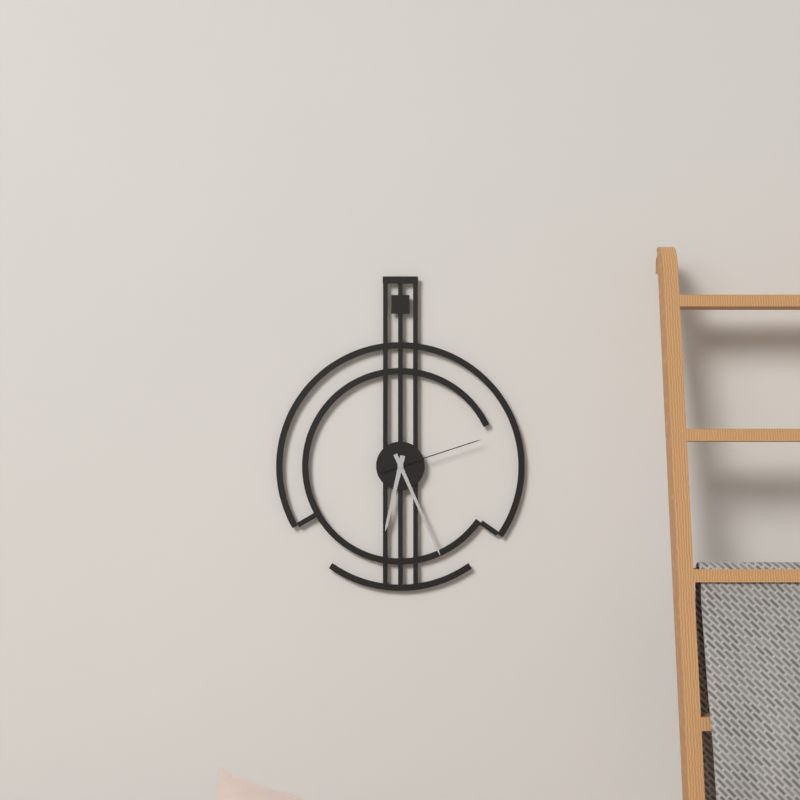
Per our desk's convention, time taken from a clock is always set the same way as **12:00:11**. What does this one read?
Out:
**6:26:12**
